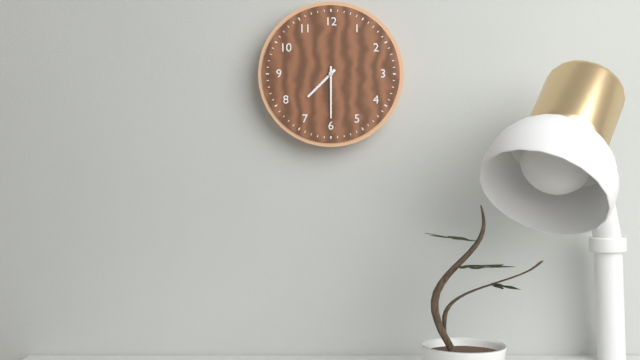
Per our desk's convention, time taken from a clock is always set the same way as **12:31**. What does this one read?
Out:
**7:30**
